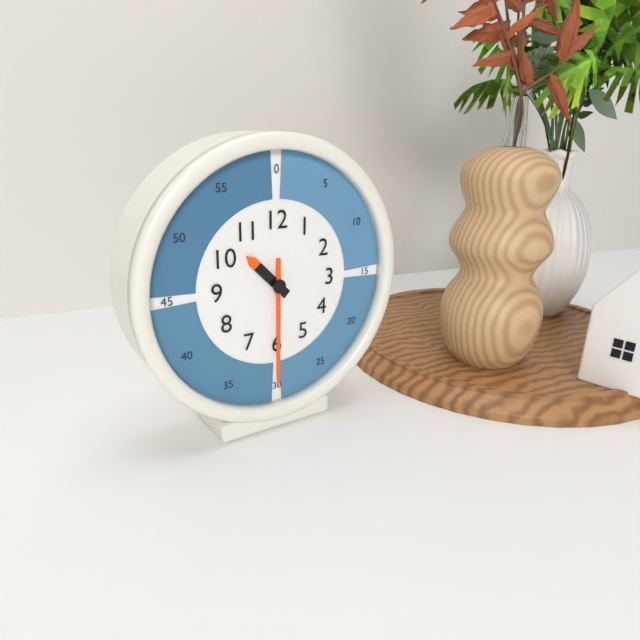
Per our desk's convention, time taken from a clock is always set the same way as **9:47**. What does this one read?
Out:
**10:30**
